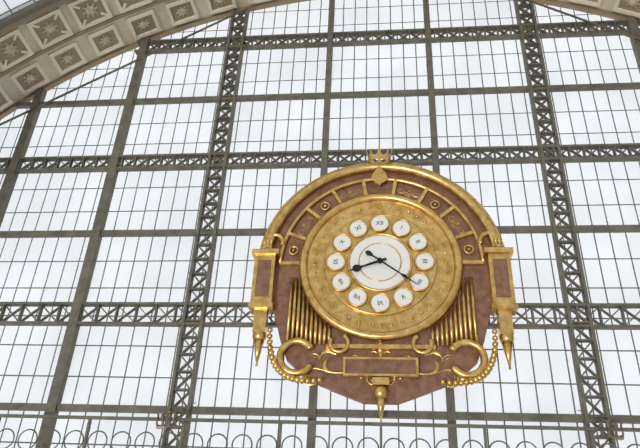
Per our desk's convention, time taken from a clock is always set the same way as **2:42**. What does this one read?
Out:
**8:21**
